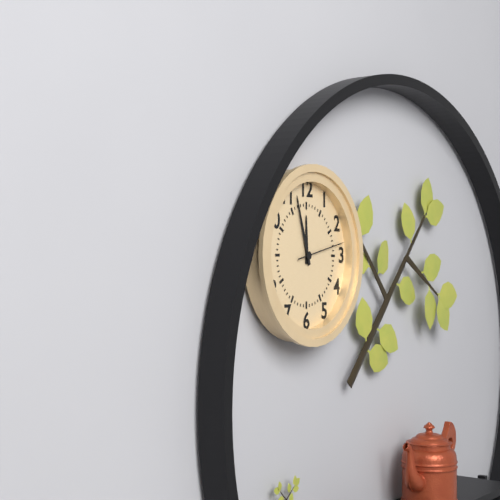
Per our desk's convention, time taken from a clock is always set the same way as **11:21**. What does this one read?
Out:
**11:57**
